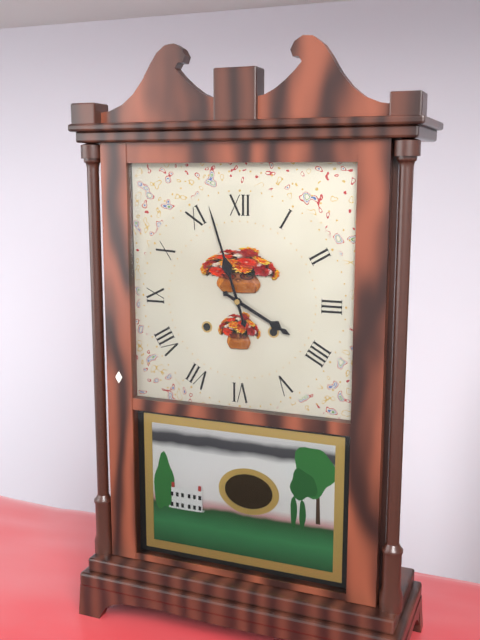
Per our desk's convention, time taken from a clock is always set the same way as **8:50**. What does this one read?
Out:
**3:57**
